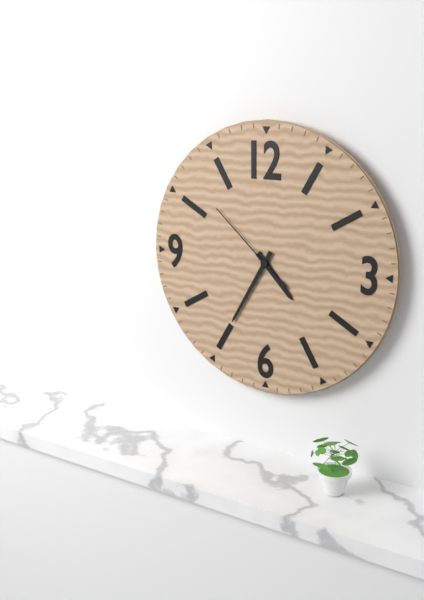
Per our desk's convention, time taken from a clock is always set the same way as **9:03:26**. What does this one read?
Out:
**4:35:52**
